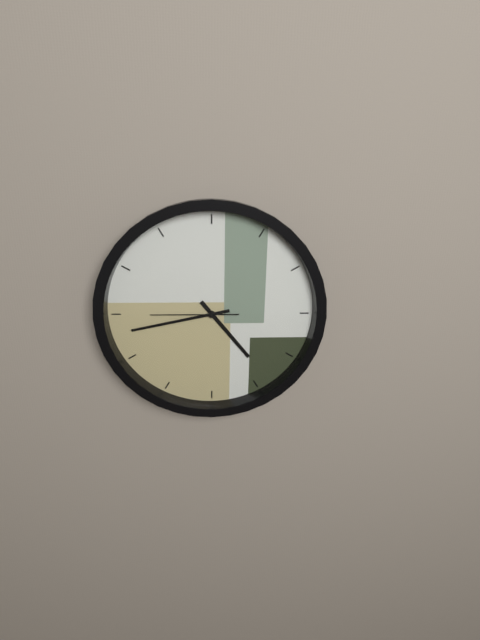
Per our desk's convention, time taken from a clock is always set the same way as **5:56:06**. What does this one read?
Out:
**4:43:45**
